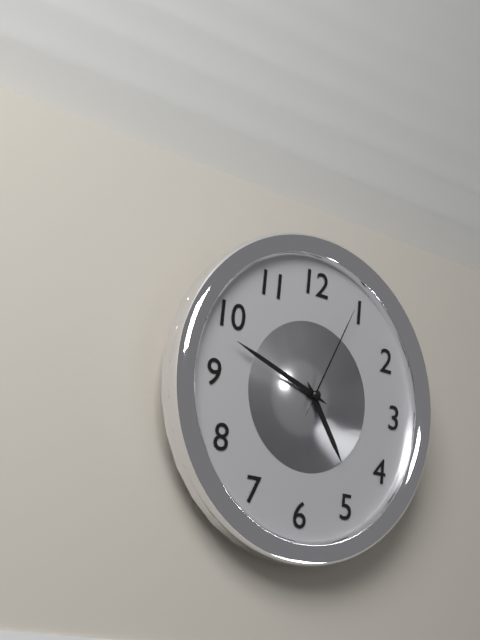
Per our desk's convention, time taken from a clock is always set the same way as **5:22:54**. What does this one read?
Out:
**4:48:04**
